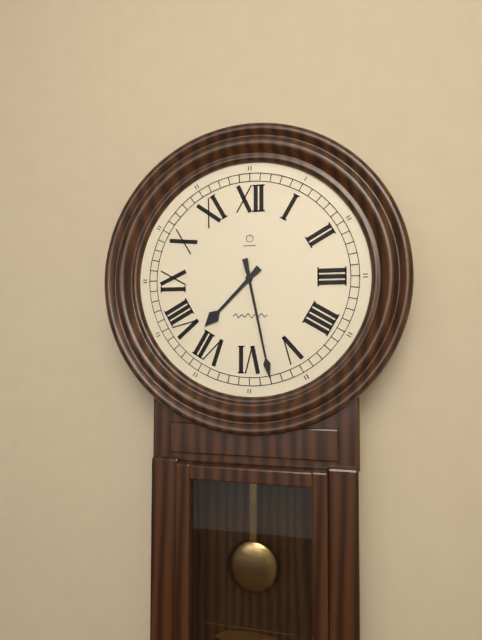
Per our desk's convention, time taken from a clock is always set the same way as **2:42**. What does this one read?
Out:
**7:28**
